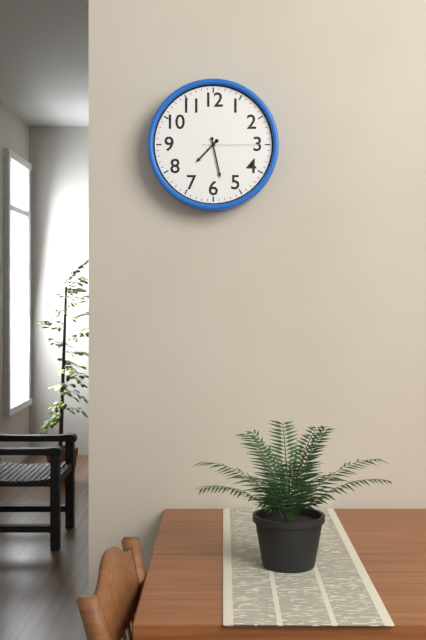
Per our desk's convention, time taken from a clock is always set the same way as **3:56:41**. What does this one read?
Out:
**7:28:15**
